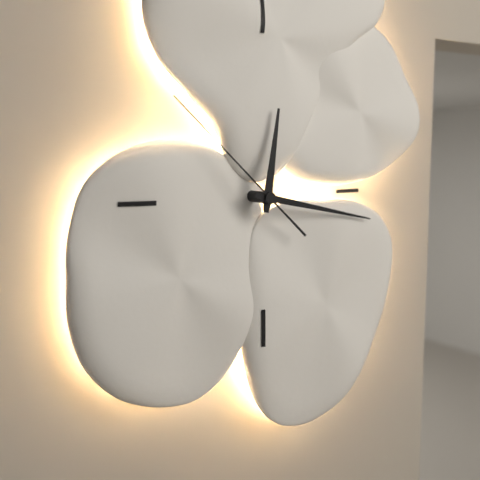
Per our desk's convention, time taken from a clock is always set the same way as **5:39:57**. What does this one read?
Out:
**12:17:52**
